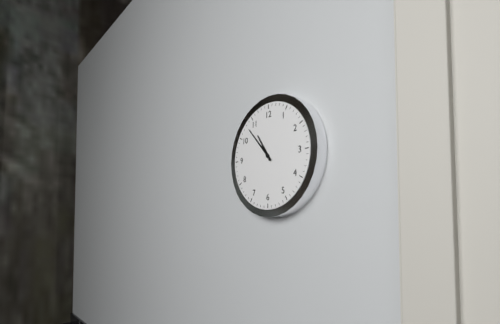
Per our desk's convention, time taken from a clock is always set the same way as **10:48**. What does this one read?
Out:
**10:53**
